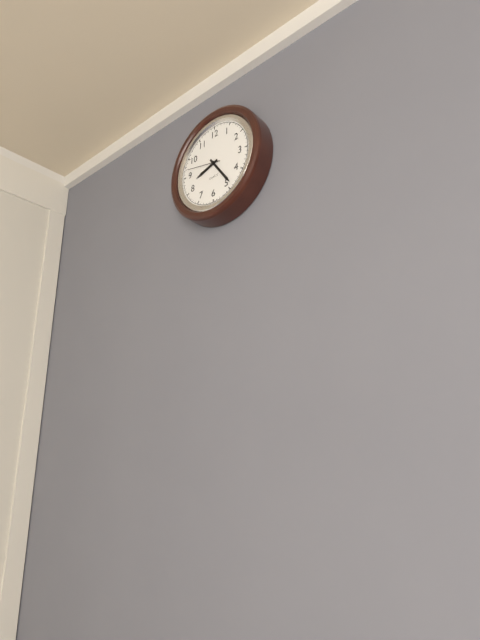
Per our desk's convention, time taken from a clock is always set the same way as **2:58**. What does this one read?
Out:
**8:24**
